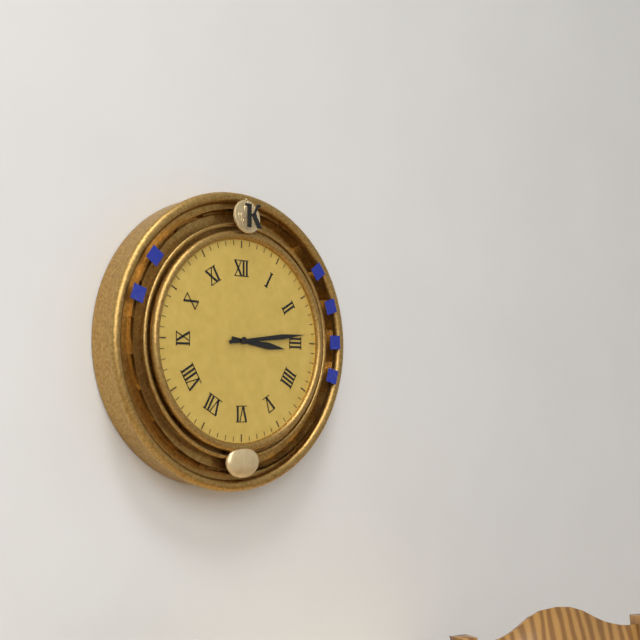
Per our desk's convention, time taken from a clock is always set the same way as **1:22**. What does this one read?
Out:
**3:14**
